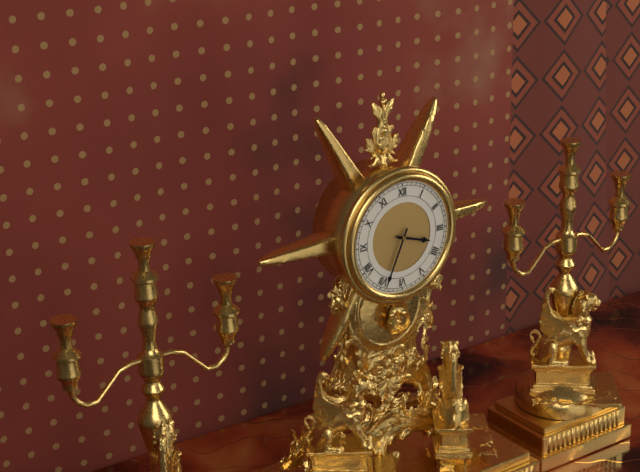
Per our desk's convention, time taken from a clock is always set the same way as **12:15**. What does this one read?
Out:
**3:34**
